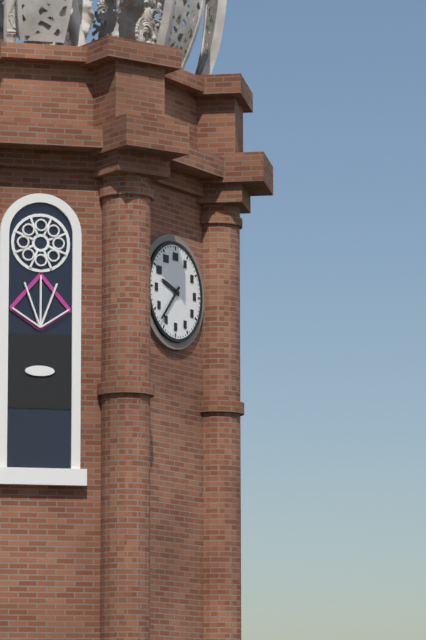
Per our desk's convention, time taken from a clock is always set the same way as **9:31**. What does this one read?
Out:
**9:37**
